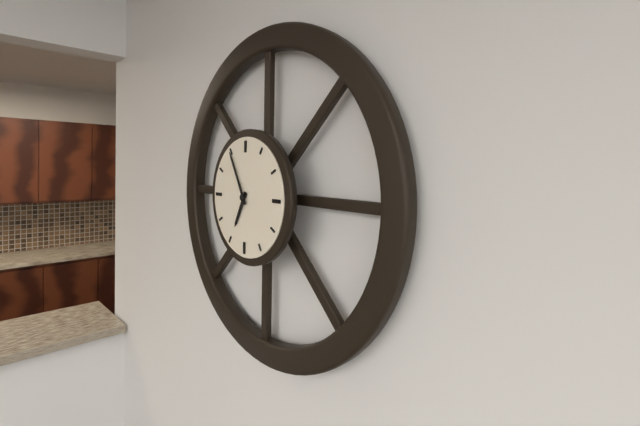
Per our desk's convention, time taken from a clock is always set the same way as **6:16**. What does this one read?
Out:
**6:55**
